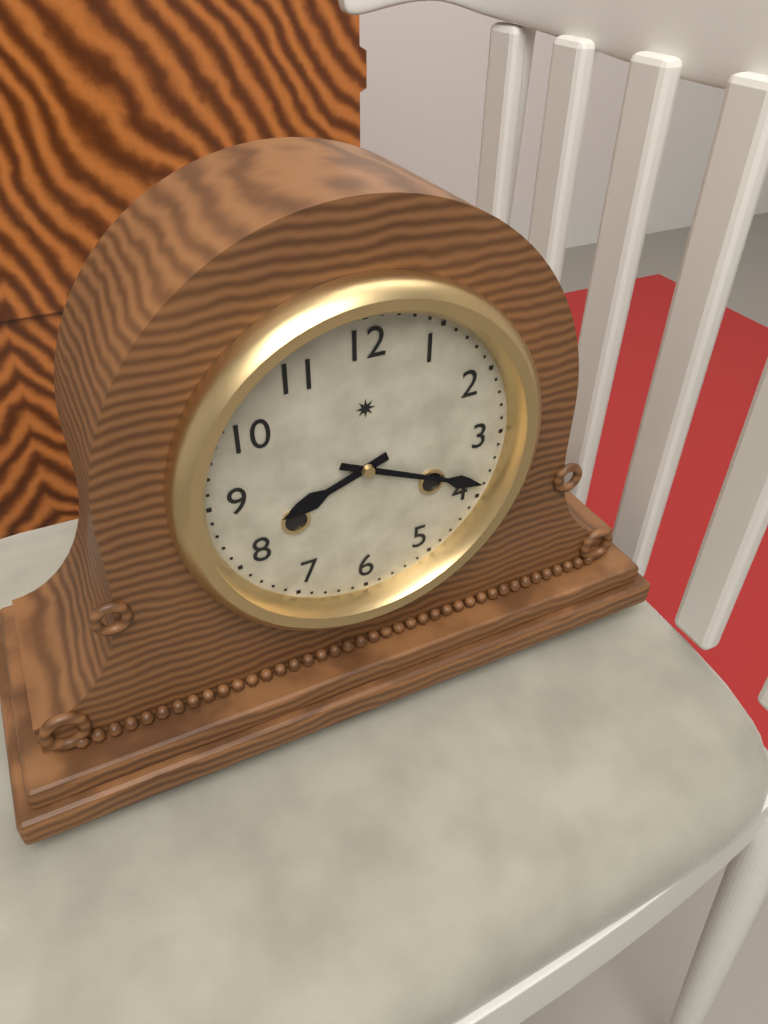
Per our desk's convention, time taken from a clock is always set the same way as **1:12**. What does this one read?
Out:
**8:19**
